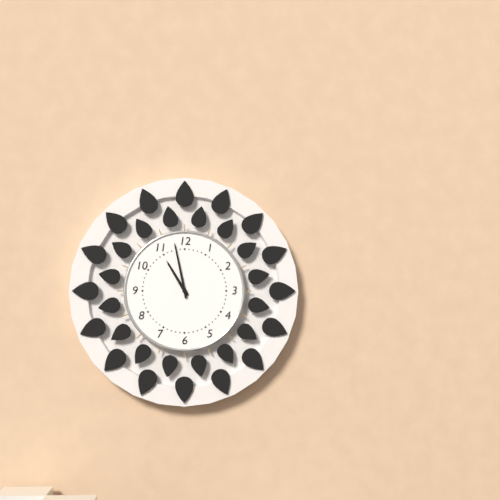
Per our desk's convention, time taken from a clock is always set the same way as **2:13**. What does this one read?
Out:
**10:58**
